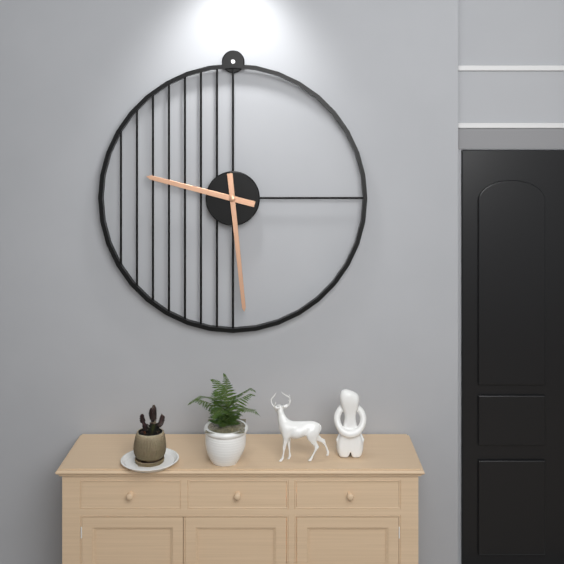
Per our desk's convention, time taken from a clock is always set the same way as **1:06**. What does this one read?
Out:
**9:29**
